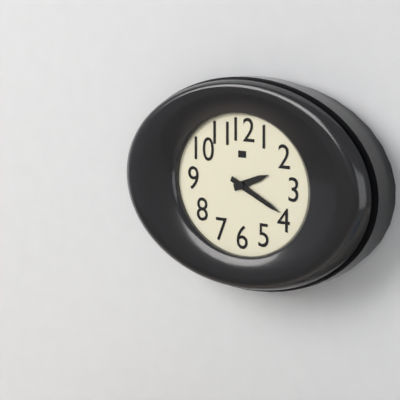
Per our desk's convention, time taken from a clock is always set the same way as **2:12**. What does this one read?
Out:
**2:19**
